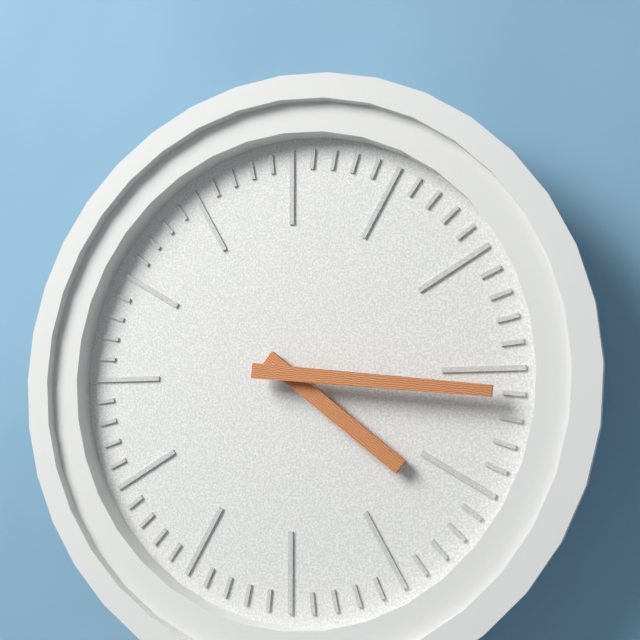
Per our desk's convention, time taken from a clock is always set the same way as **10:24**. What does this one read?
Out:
**4:16**
